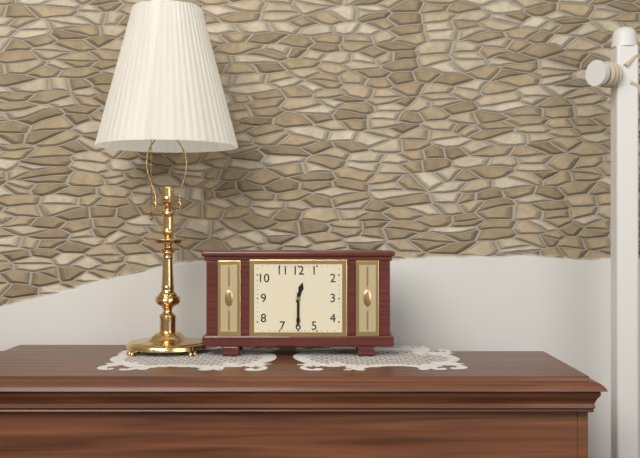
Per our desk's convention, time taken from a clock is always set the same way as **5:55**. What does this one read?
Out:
**12:30**
